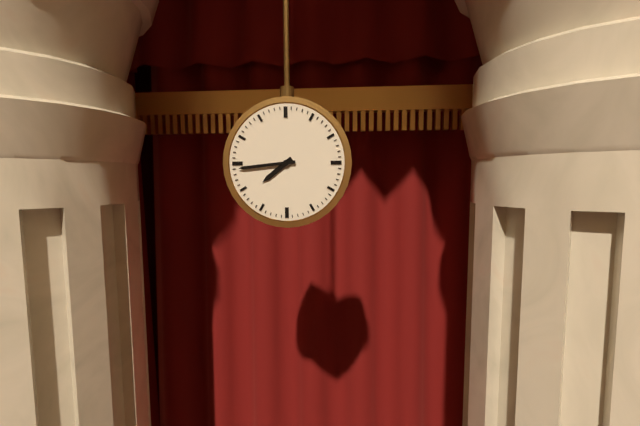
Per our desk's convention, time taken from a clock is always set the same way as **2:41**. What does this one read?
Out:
**7:44**
